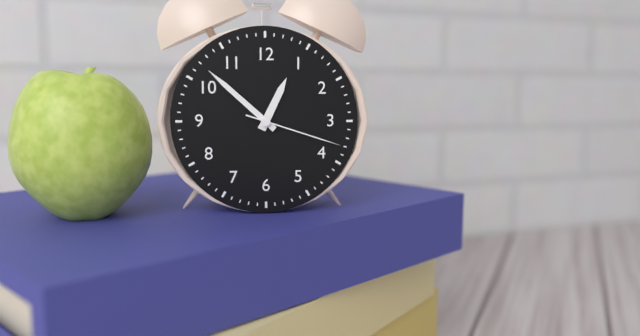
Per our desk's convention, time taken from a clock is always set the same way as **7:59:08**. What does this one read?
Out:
**12:52:18**
